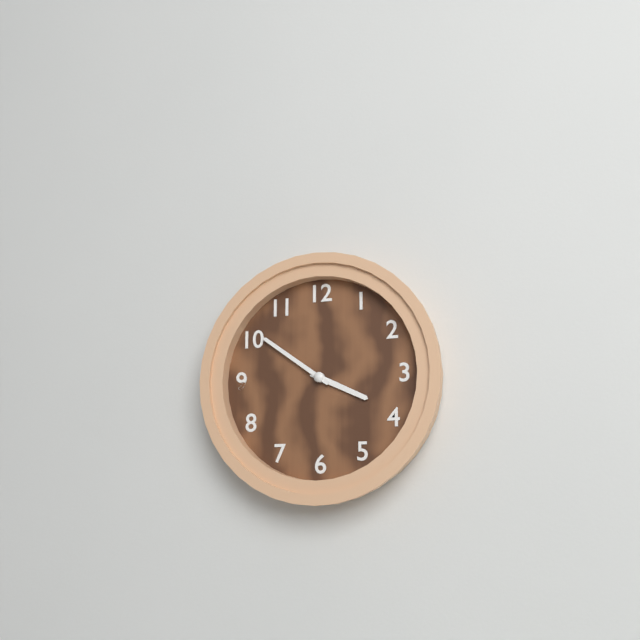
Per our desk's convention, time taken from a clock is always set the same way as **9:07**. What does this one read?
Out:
**3:51**
